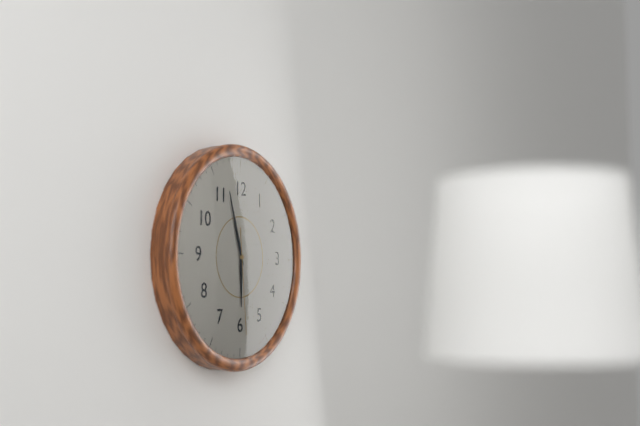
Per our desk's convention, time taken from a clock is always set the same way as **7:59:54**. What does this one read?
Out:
**5:57:29**
